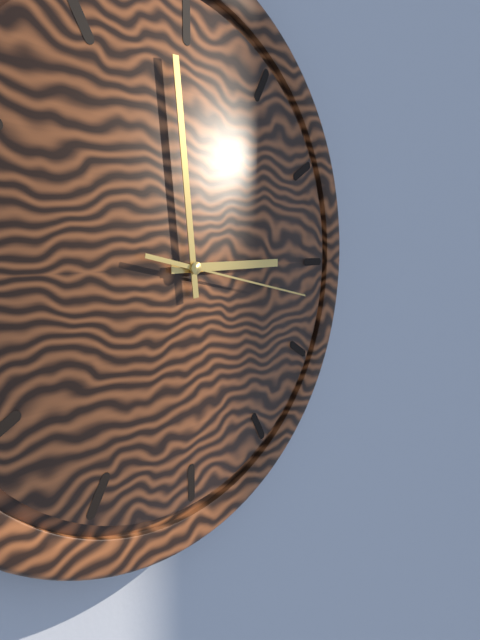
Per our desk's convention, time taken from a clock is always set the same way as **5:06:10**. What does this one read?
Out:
**2:59:17**
